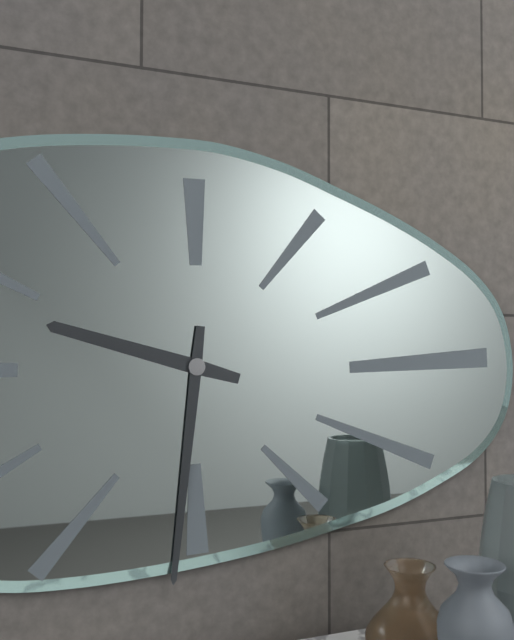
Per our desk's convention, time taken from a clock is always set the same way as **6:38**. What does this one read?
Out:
**9:31**
